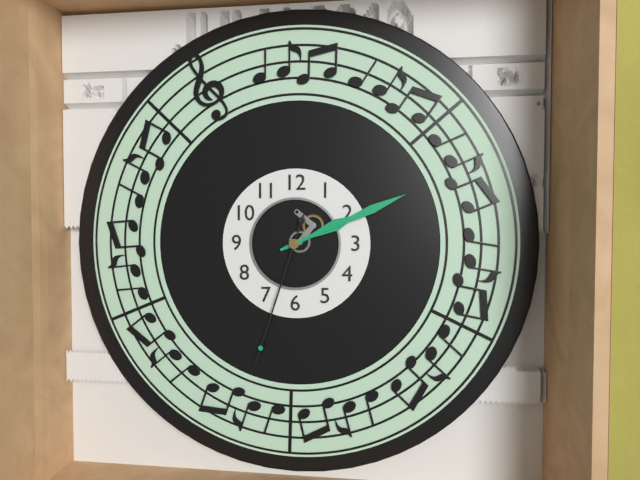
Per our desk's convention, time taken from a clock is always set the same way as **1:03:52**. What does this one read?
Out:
**2:11:33**
